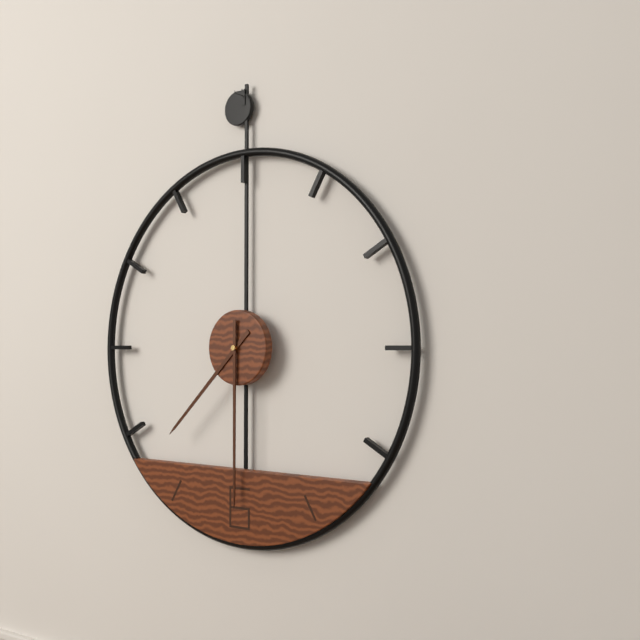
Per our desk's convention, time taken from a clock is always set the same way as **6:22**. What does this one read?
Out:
**7:30**
